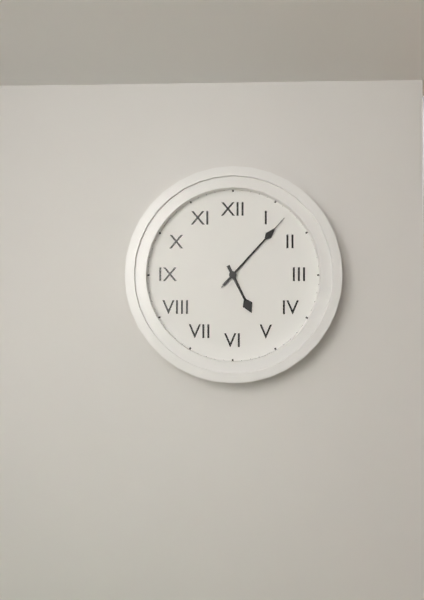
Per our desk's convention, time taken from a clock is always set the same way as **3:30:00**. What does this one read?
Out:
**5:07:07**
